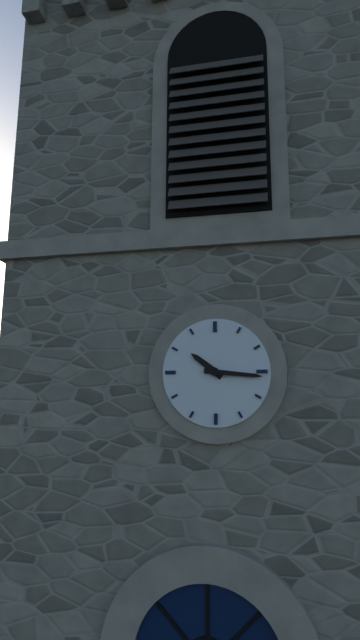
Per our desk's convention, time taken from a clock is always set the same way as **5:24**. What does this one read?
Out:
**10:16**
